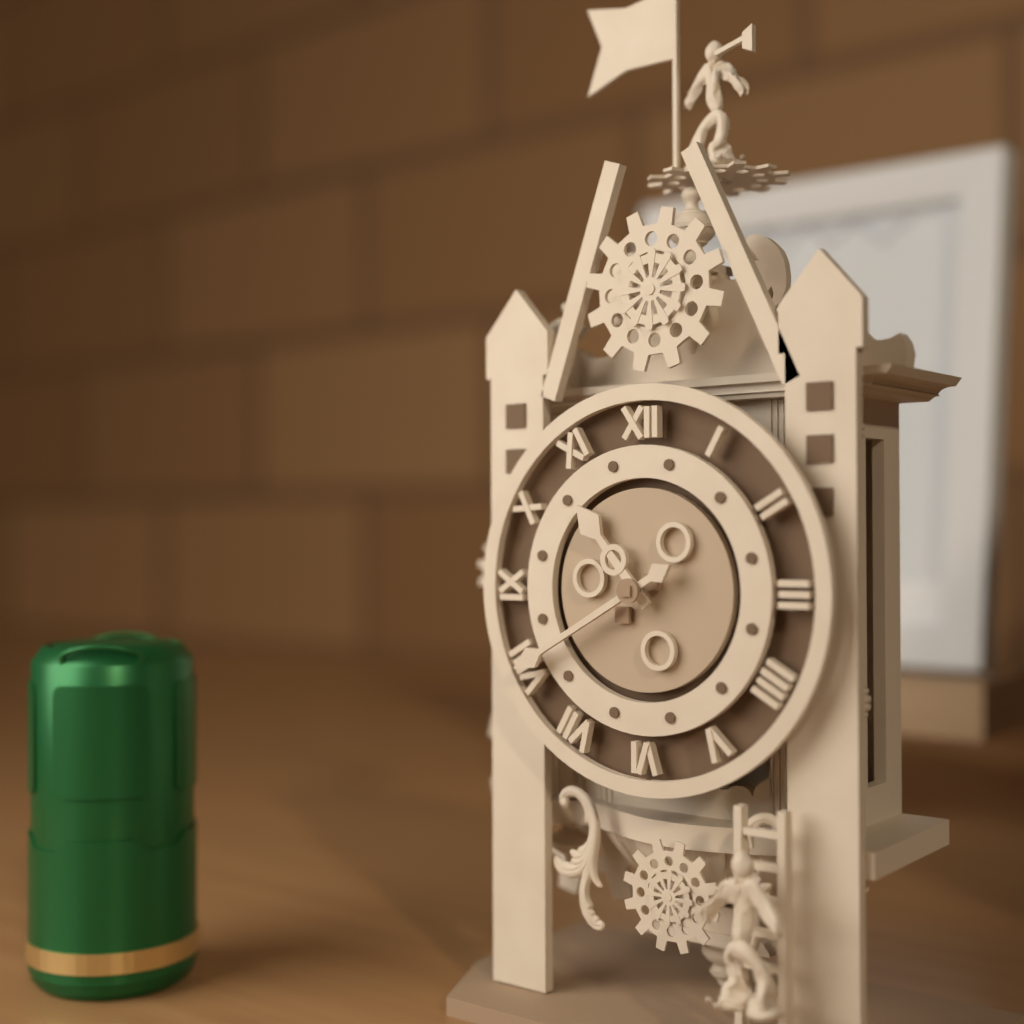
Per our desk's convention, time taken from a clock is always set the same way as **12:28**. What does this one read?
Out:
**10:40**
